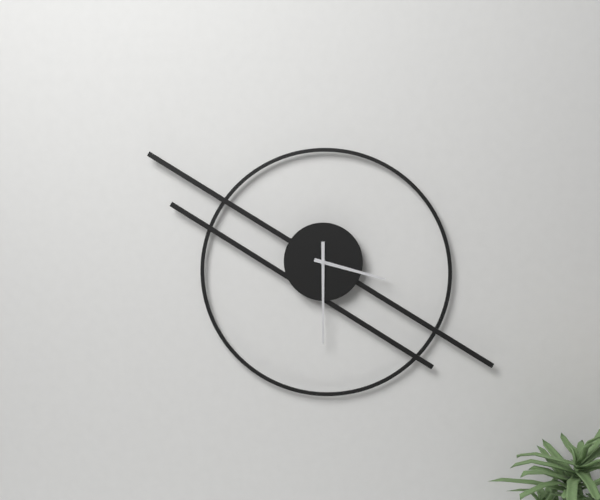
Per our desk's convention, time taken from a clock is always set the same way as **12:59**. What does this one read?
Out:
**3:30**
